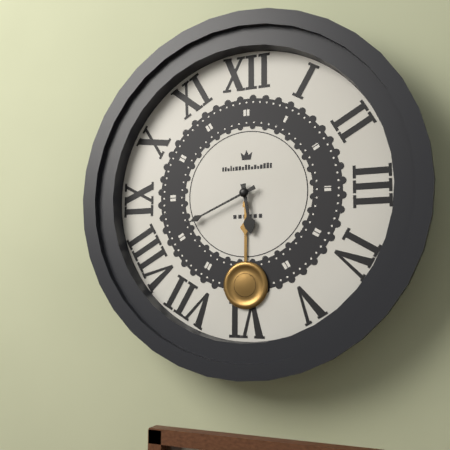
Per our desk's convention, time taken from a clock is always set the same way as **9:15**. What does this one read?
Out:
**5:41**
